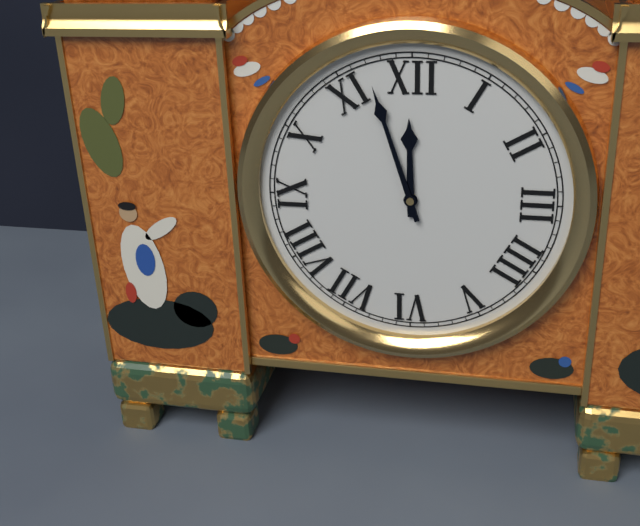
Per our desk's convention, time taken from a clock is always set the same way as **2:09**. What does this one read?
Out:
**11:57**
